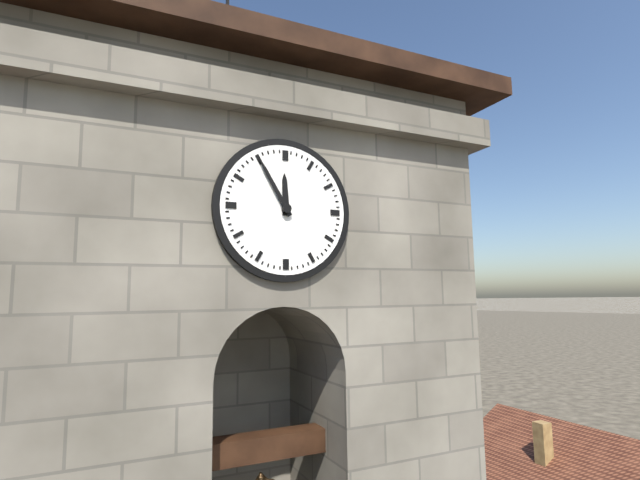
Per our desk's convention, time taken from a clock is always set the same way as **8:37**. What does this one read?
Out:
**11:55**
